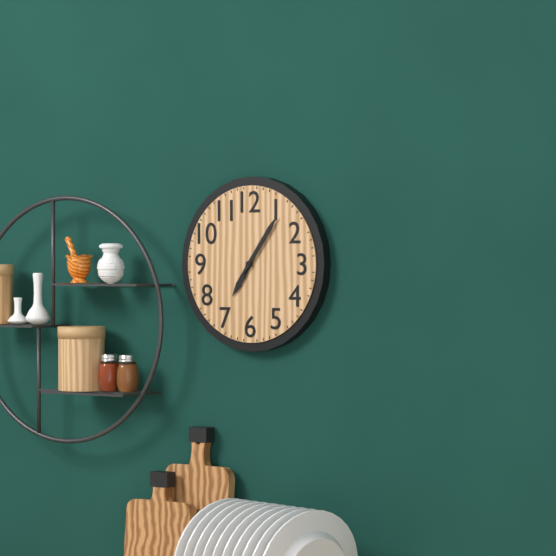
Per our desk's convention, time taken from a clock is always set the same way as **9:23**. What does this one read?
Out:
**7:06**
